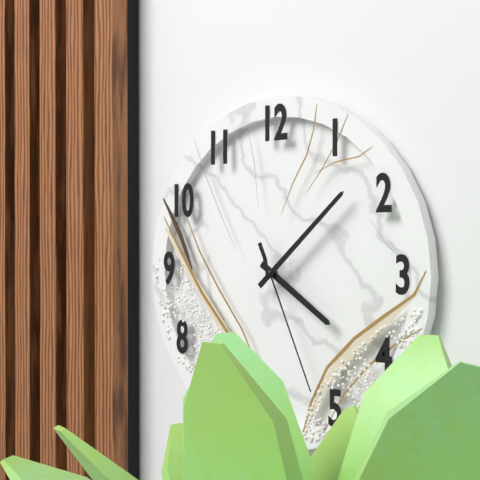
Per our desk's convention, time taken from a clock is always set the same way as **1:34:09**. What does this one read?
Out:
**4:08:26**
